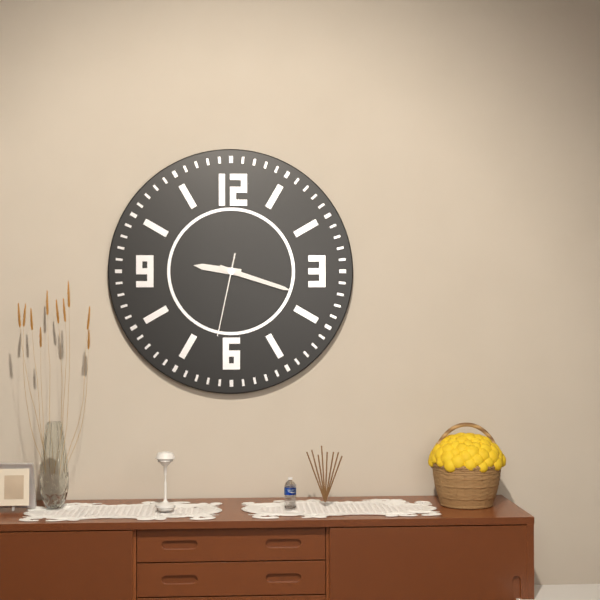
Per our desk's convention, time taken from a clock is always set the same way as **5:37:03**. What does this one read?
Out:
**9:18:32**
